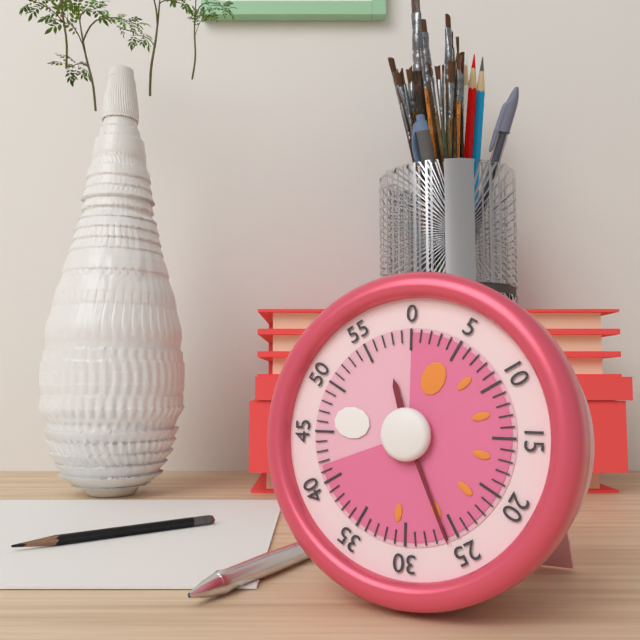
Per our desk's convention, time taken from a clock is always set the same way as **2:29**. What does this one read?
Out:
**11:26**
